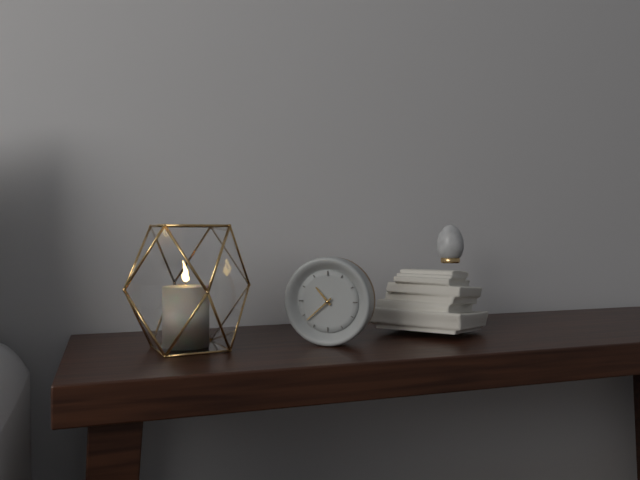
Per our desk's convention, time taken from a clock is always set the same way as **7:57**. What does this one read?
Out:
**10:38**
